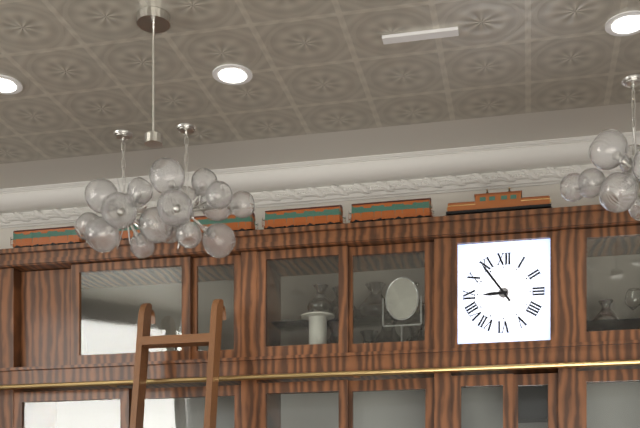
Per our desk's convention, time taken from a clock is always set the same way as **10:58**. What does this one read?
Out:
**8:54**
